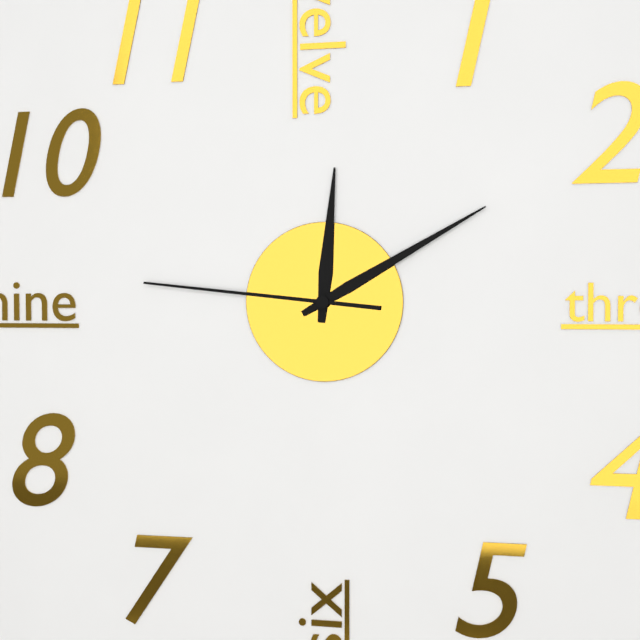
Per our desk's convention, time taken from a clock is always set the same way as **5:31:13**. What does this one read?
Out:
**12:10:46**
